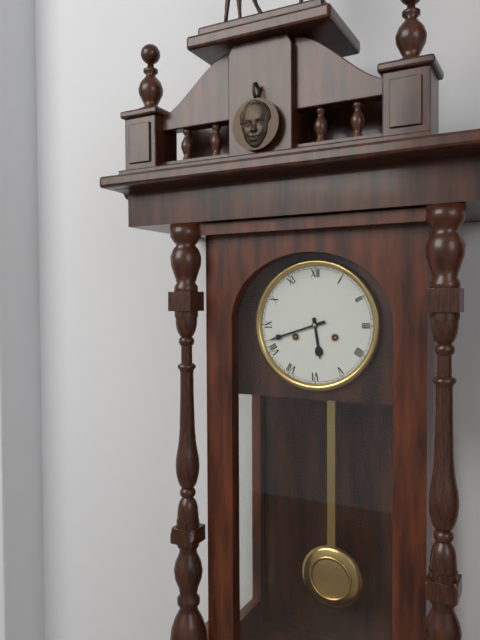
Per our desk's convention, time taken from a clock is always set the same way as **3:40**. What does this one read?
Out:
**5:42**
